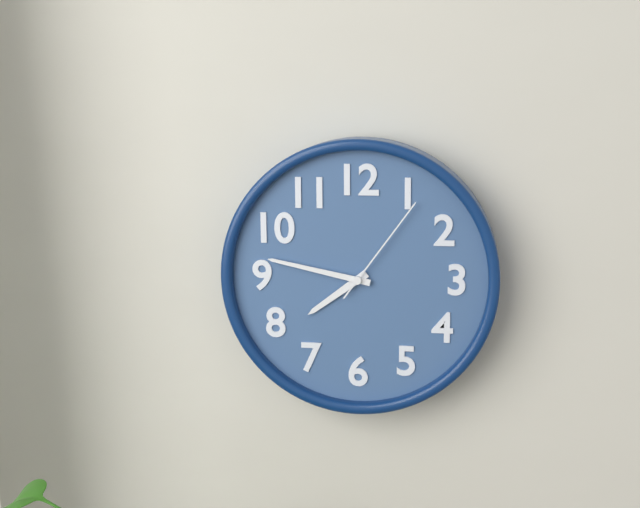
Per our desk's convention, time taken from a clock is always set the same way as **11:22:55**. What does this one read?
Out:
**7:47:06**
